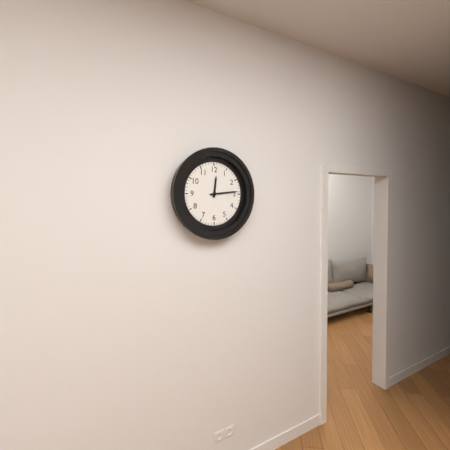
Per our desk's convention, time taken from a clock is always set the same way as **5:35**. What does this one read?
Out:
**12:14**
